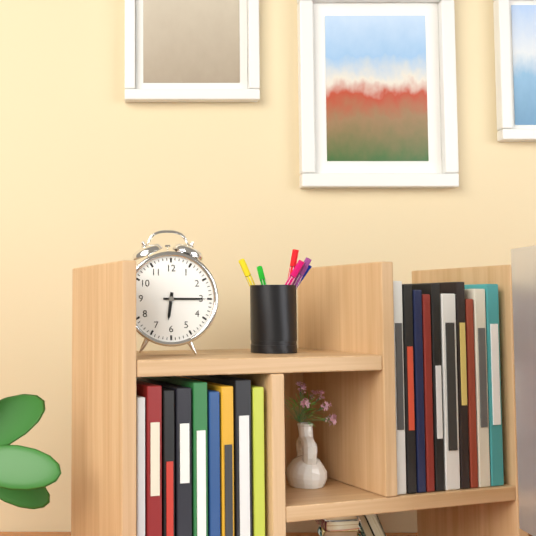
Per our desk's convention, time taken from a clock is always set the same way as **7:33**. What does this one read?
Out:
**6:15**
